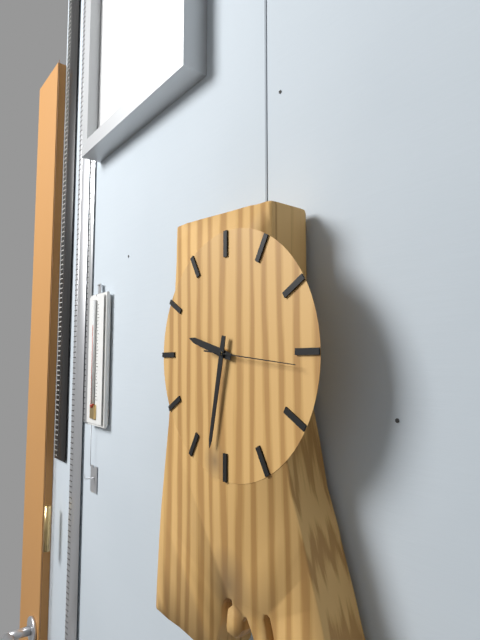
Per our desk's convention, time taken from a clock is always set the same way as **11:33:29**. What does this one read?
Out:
**9:32:16**
